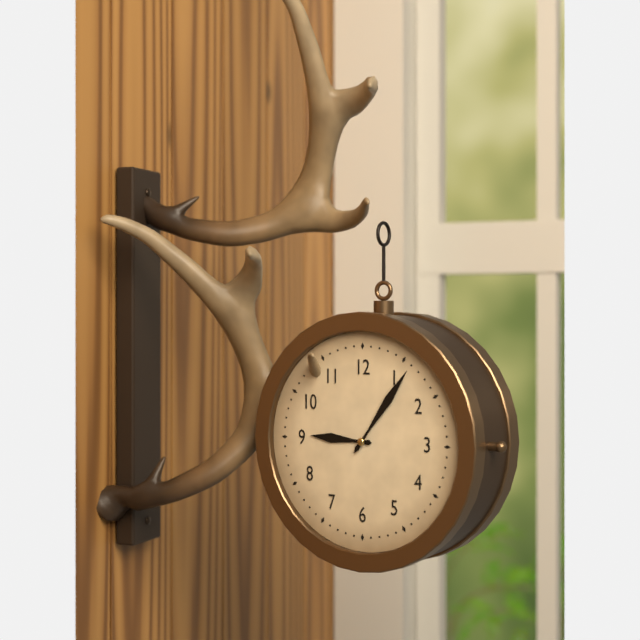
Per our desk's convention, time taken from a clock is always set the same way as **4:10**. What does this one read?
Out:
**9:06**
